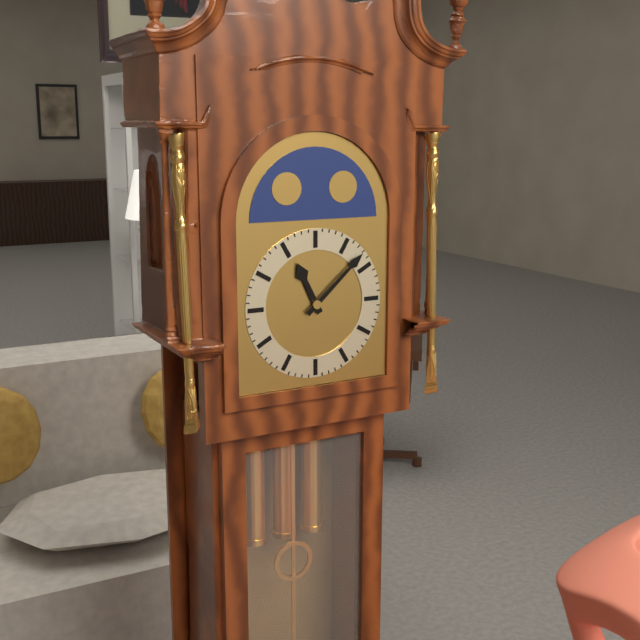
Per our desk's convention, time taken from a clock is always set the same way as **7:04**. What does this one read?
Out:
**11:08**
